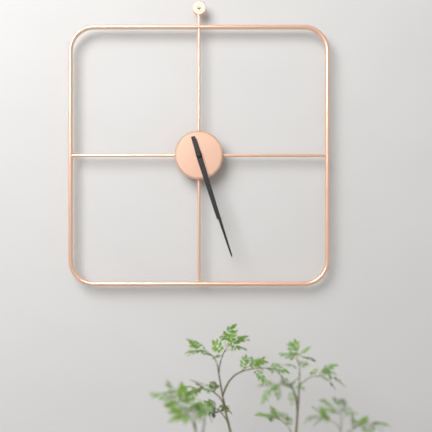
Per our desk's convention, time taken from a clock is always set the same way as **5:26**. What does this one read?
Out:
**5:27**
